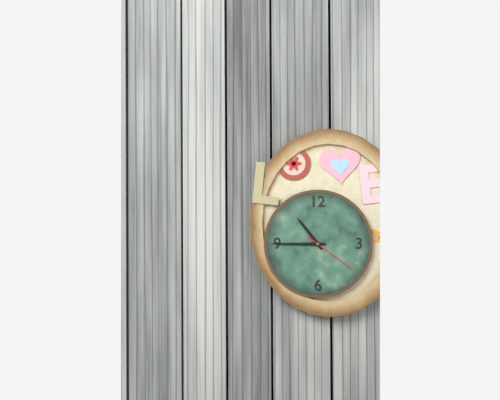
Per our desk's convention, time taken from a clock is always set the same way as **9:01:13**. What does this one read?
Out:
**10:45:21**
